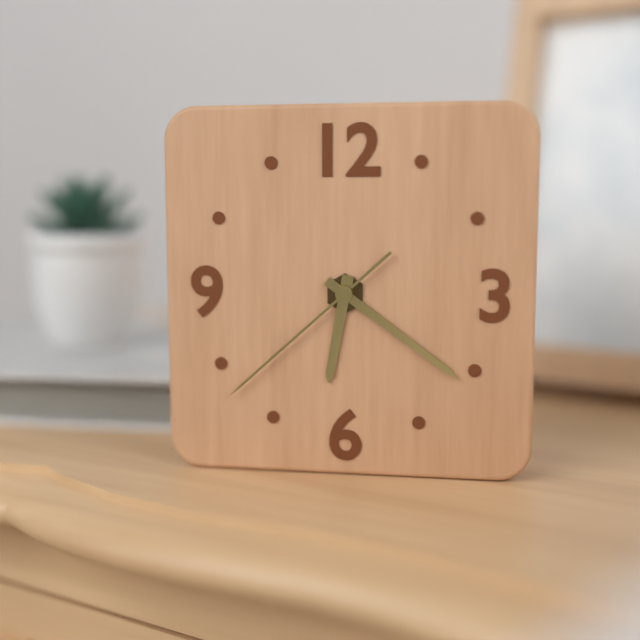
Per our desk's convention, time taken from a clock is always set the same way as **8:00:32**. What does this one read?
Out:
**6:21:38**
